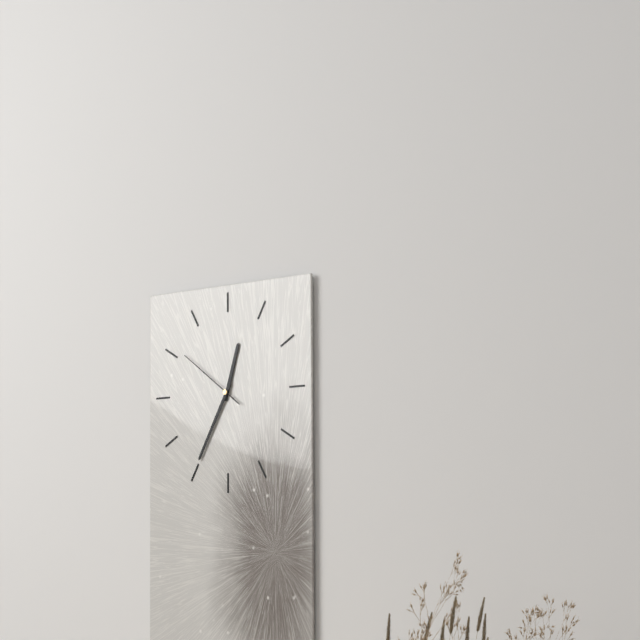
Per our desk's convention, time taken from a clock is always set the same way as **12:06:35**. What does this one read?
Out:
**12:35:51**
